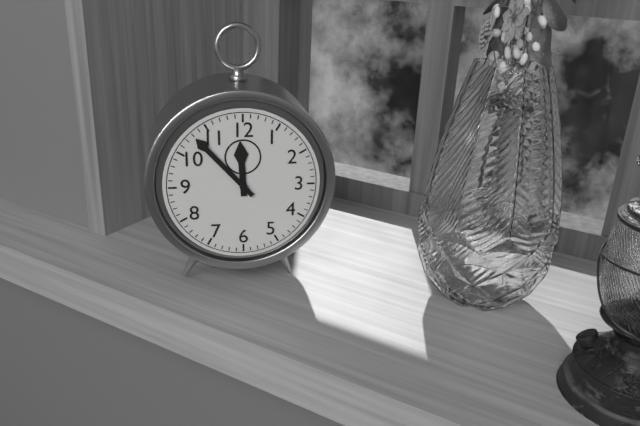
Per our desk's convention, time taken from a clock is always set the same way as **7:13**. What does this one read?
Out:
**11:53**
